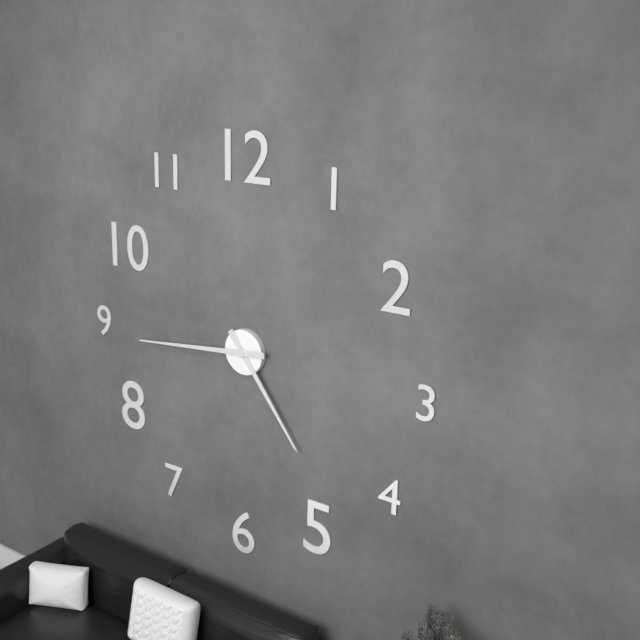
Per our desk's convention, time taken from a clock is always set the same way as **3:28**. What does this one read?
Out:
**4:44**
